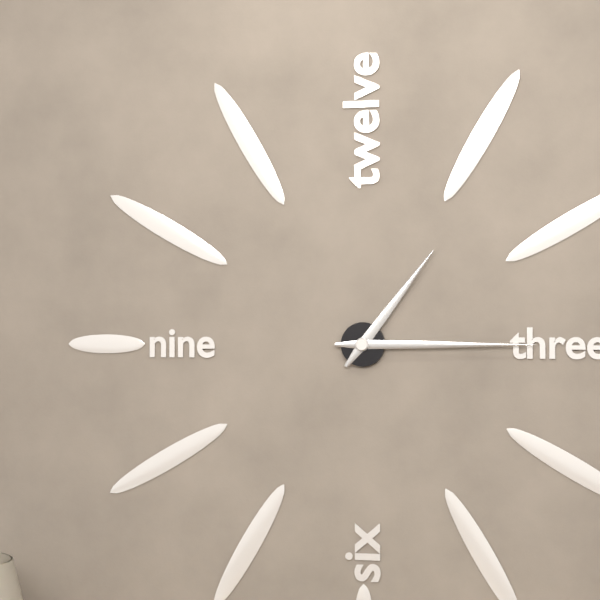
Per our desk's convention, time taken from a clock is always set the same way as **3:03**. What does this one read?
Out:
**1:15**
